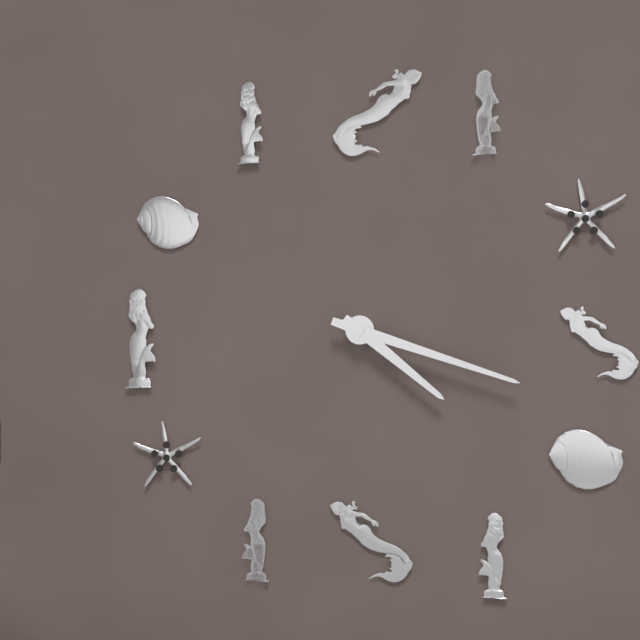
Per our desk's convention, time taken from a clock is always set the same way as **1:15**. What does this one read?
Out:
**4:18**
